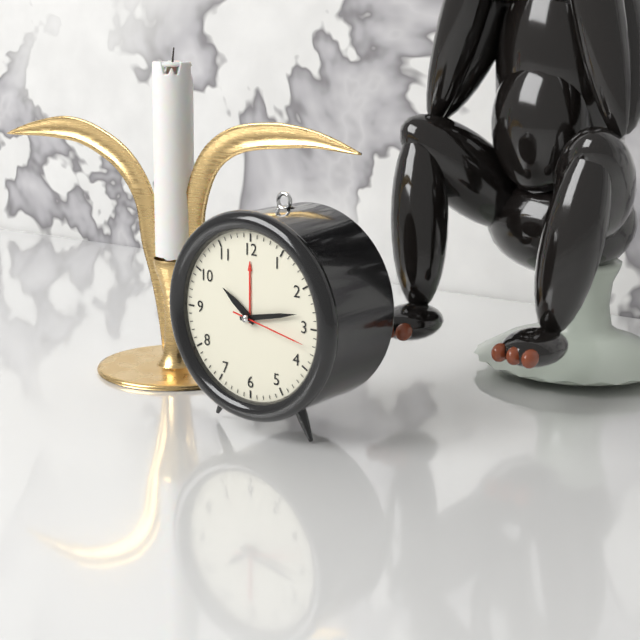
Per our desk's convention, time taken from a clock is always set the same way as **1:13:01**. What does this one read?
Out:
**10:13:17**
